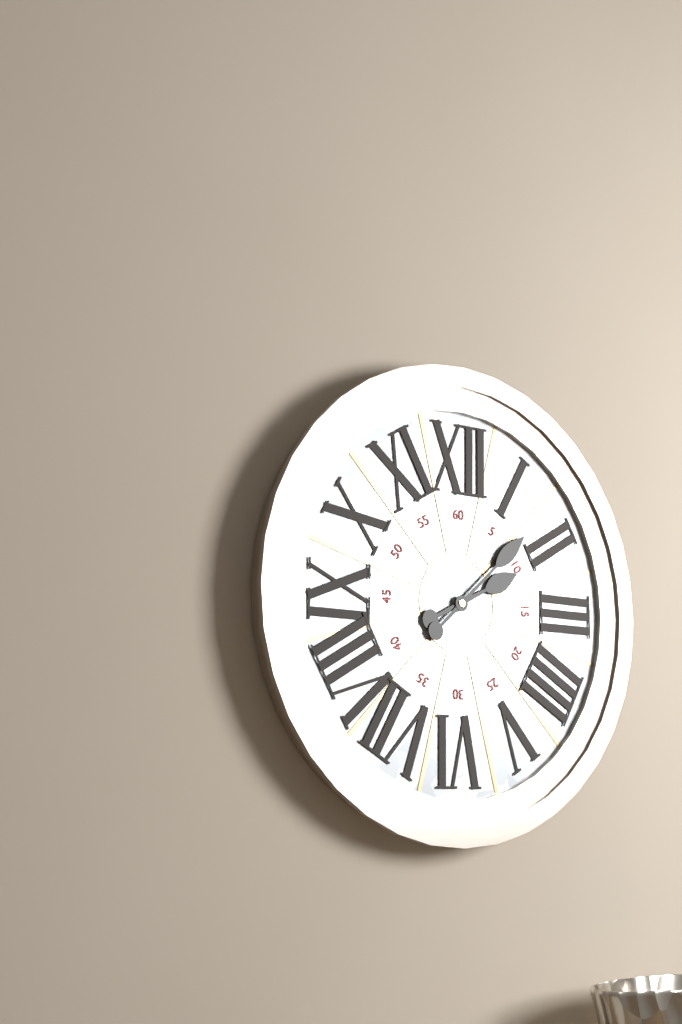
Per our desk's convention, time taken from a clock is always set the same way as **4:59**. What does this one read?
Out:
**2:08**
